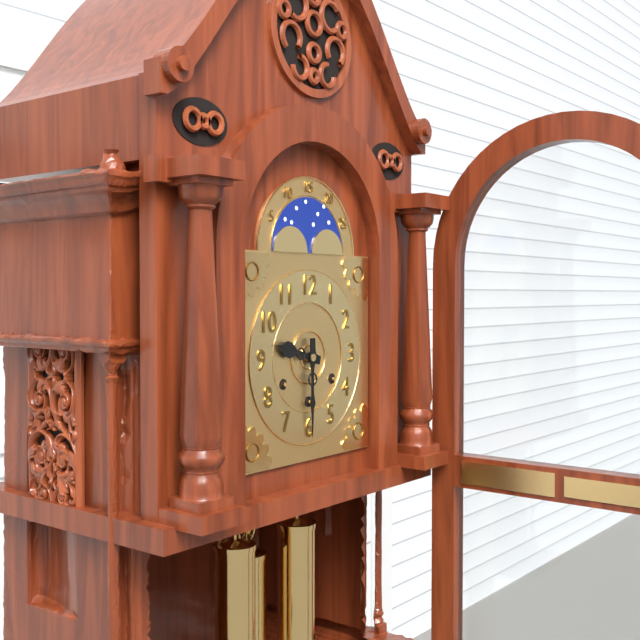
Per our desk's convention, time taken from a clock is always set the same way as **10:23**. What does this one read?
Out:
**9:30**
